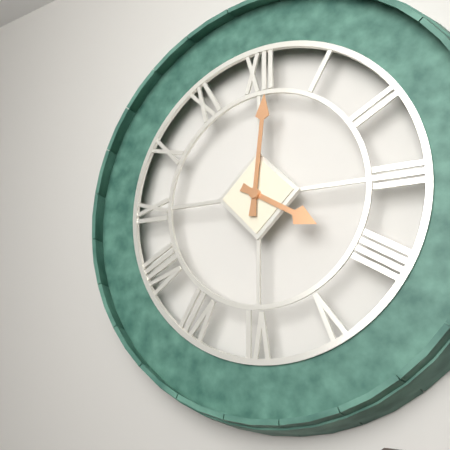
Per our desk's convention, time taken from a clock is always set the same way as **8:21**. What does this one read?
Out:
**4:01**
